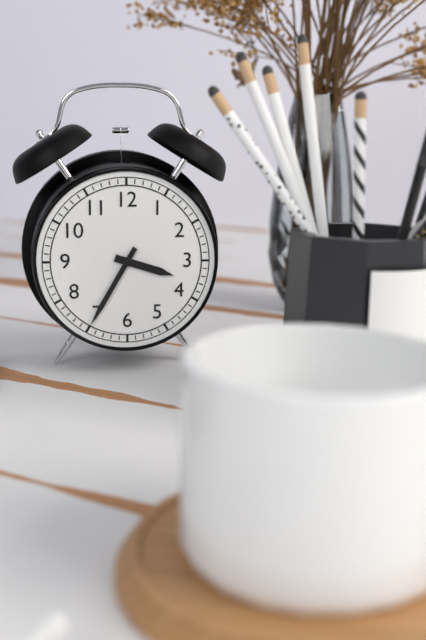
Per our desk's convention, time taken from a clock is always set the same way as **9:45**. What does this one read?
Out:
**3:35**
